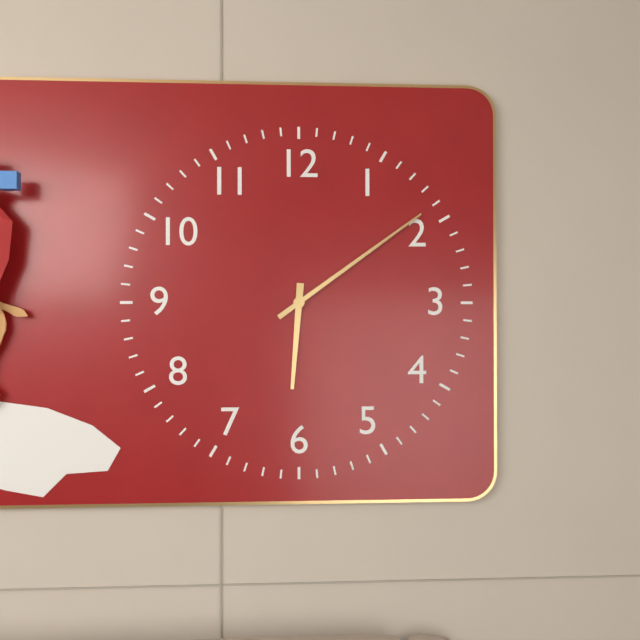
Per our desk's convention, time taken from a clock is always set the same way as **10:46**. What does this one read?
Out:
**6:09**
